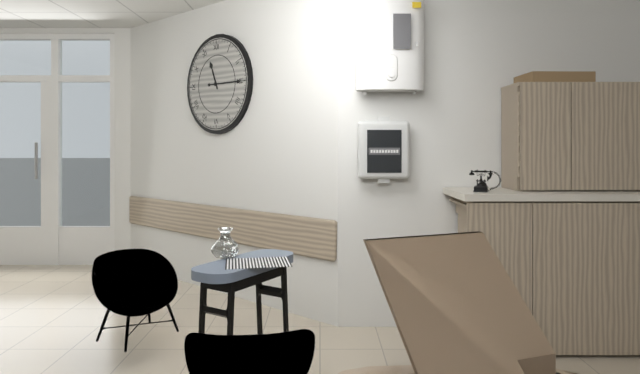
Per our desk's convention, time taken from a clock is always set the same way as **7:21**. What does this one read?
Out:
**11:15**
